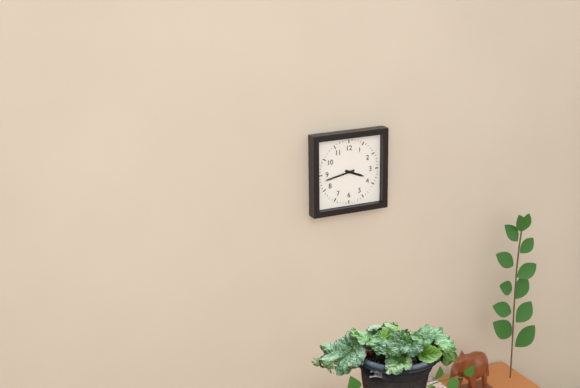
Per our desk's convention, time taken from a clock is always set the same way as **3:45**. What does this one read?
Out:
**3:43**
